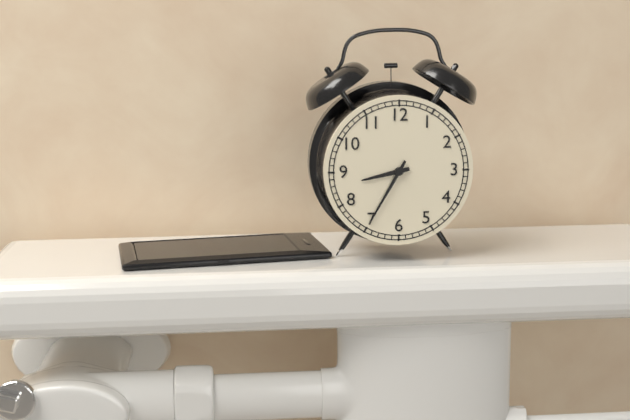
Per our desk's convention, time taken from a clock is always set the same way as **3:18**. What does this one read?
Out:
**8:35**
